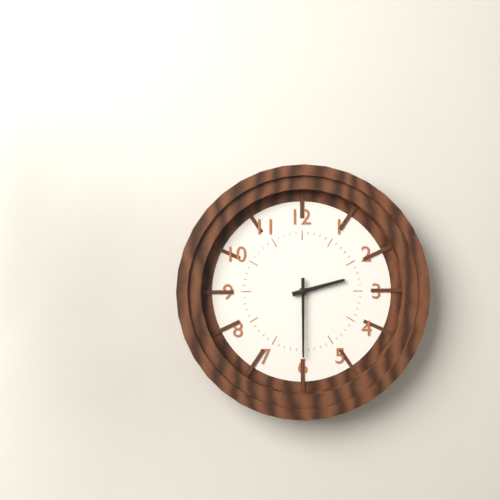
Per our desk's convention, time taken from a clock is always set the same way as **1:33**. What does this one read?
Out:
**2:30**
